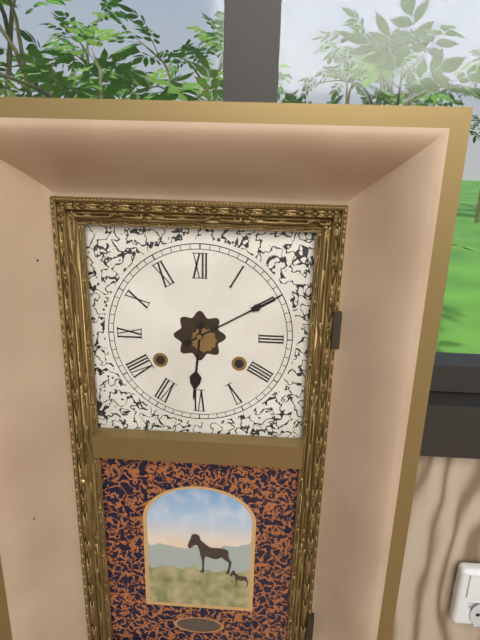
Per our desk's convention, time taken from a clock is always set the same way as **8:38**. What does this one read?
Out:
**6:10**
